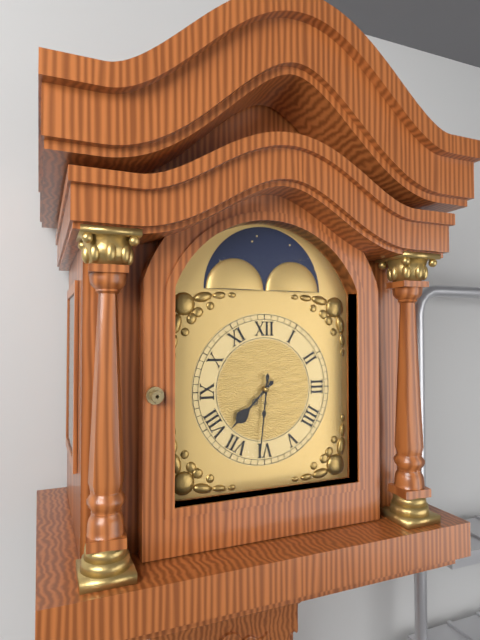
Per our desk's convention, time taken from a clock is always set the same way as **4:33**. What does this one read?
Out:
**7:31**
